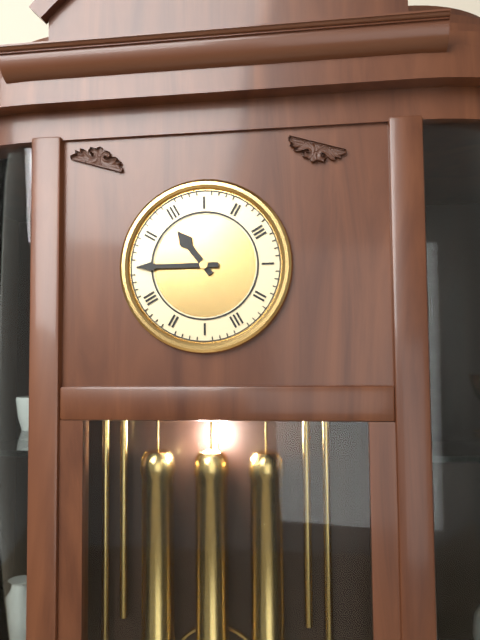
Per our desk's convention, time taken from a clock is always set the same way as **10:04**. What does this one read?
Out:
**10:45**
